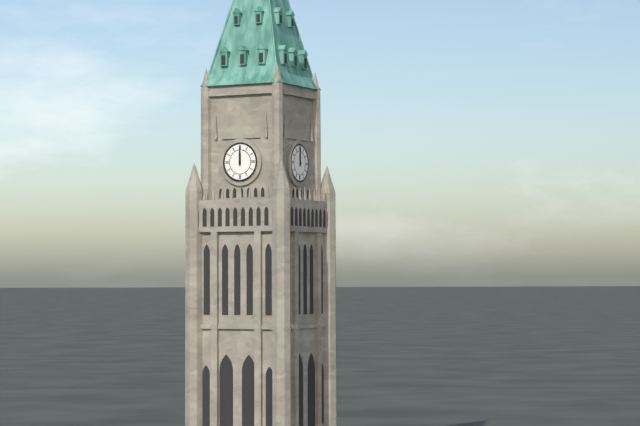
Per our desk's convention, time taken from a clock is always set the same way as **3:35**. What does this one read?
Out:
**12:00**
